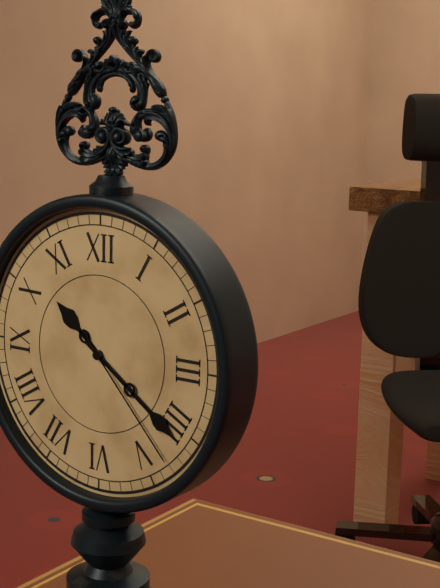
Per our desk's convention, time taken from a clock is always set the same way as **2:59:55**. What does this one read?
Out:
**10:21:23**
